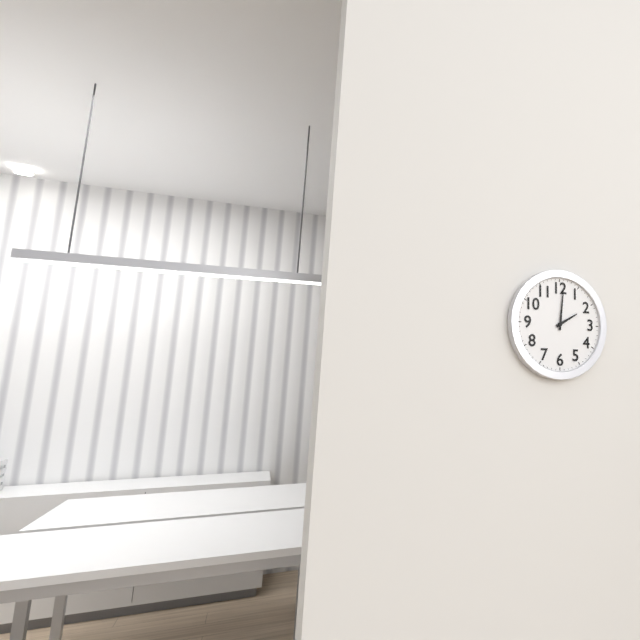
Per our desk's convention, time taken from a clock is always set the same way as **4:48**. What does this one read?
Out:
**2:01**
